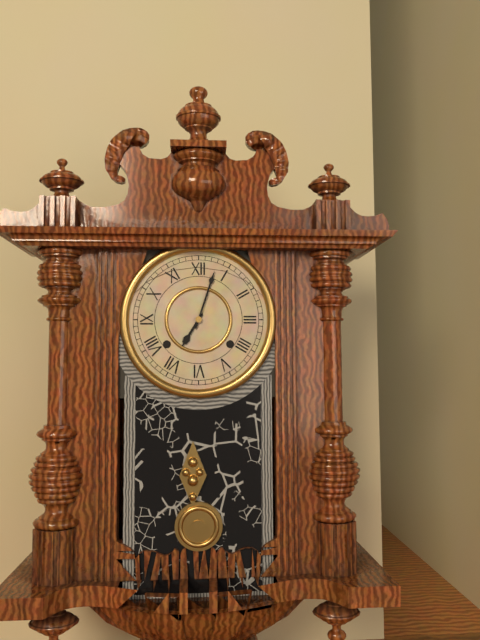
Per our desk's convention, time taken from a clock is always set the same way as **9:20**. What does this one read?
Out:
**7:03**
